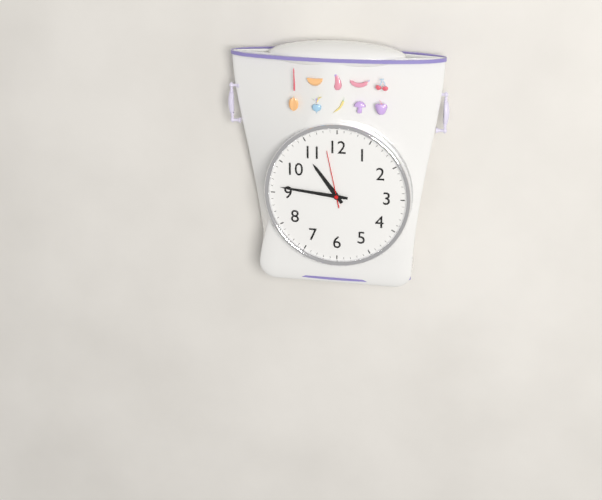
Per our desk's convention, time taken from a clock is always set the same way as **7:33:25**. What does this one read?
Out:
**10:46:58**
